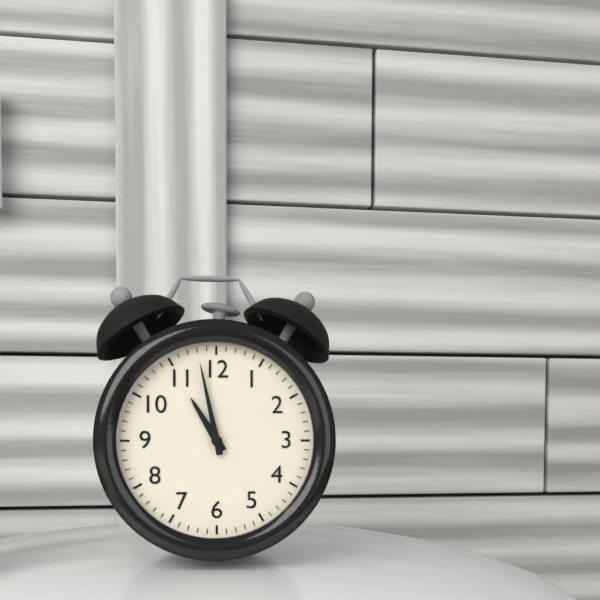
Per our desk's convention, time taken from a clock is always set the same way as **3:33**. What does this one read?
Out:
**10:58**
